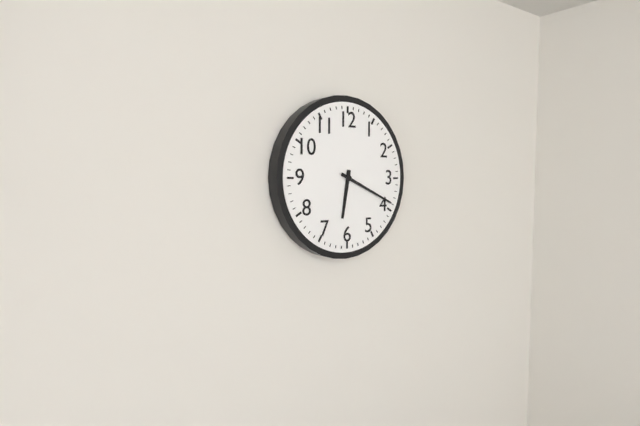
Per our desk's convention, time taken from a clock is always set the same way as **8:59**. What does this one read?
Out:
**6:19**
